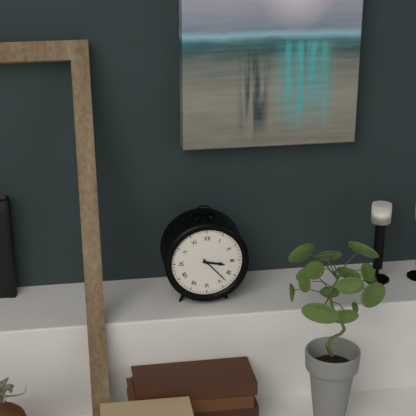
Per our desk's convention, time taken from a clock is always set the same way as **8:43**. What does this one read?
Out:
**3:23**
